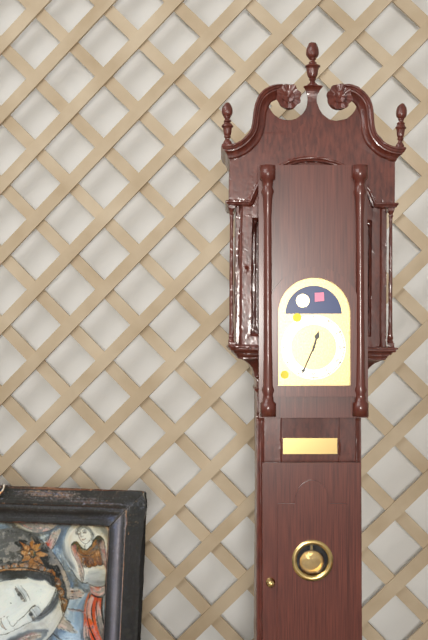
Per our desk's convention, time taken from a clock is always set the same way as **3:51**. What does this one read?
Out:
**12:34**
